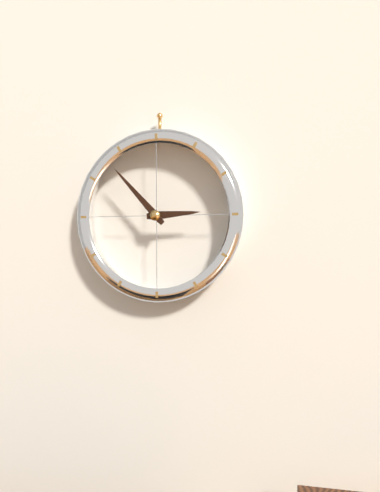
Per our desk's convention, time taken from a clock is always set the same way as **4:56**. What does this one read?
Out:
**2:53**
